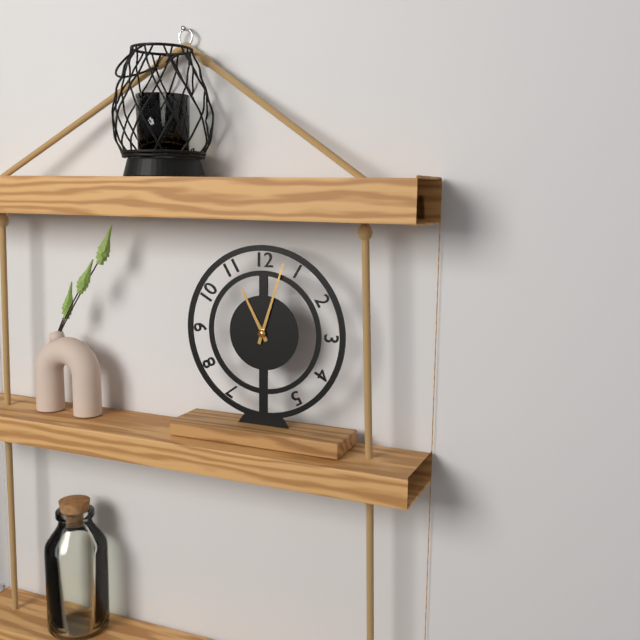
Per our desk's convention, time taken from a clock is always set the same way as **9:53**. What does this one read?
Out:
**11:03**
